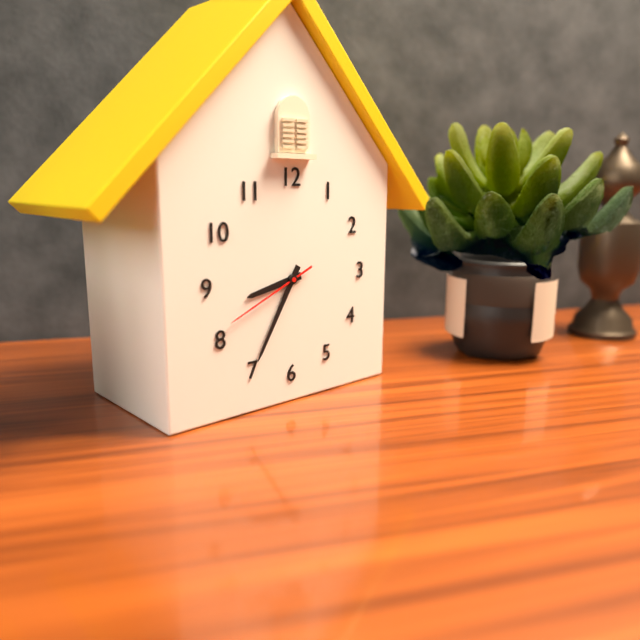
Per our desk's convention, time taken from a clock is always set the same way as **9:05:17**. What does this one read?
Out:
**8:35:41**
